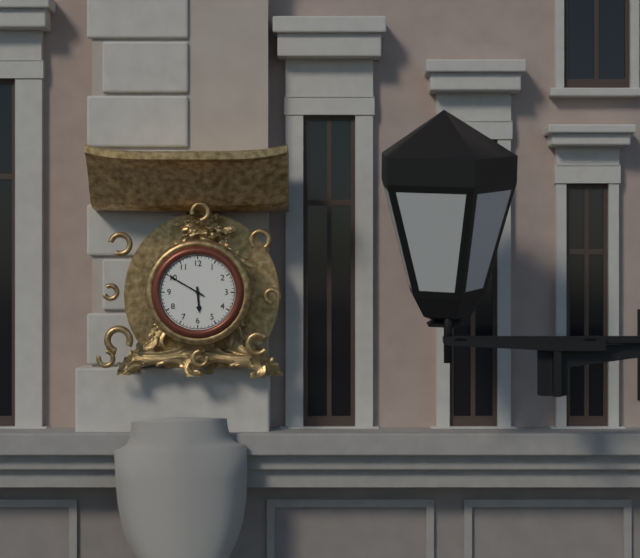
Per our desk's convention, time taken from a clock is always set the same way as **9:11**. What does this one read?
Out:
**5:50**
